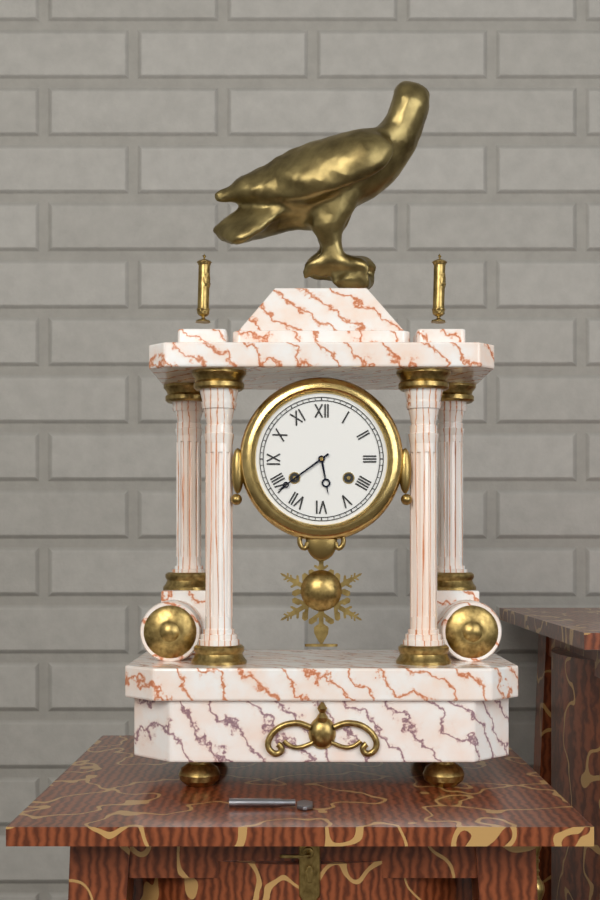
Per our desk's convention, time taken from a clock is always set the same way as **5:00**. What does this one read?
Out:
**5:39**
